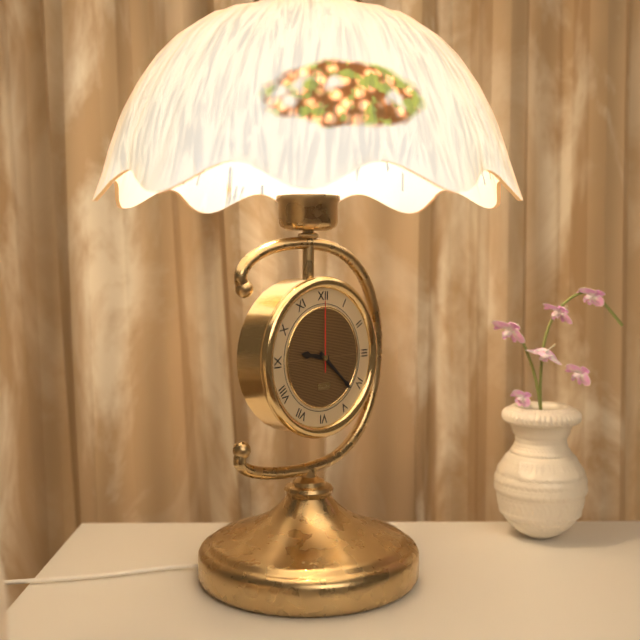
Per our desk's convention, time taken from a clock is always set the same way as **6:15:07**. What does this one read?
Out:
**9:22:00**
